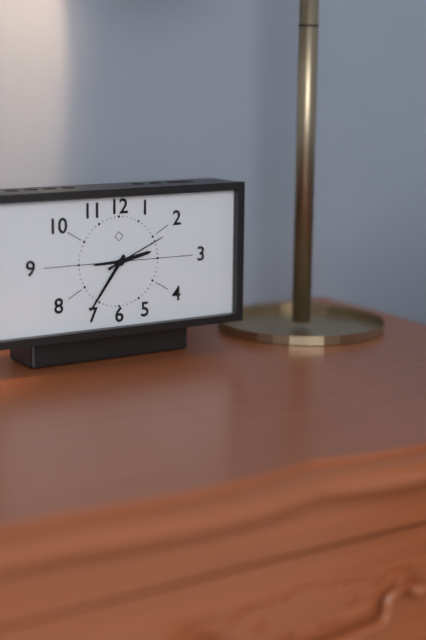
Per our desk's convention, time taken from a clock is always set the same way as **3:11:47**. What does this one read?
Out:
**2:36:11**
